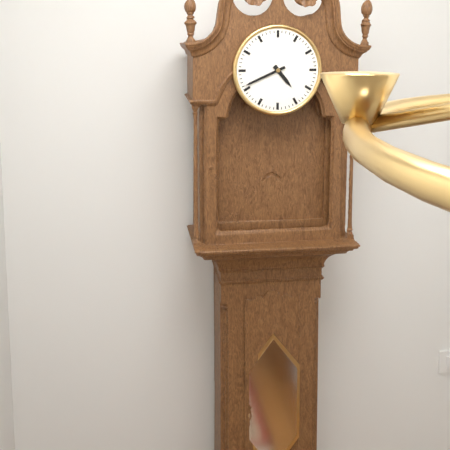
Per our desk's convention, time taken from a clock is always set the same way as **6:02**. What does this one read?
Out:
**4:41**
